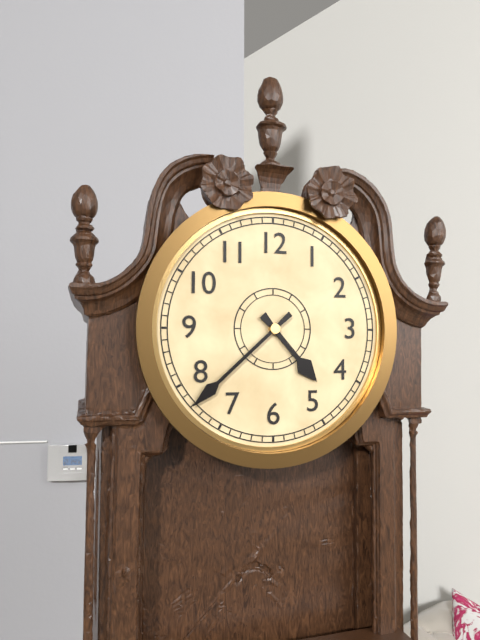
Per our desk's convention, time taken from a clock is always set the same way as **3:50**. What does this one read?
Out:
**4:38**
